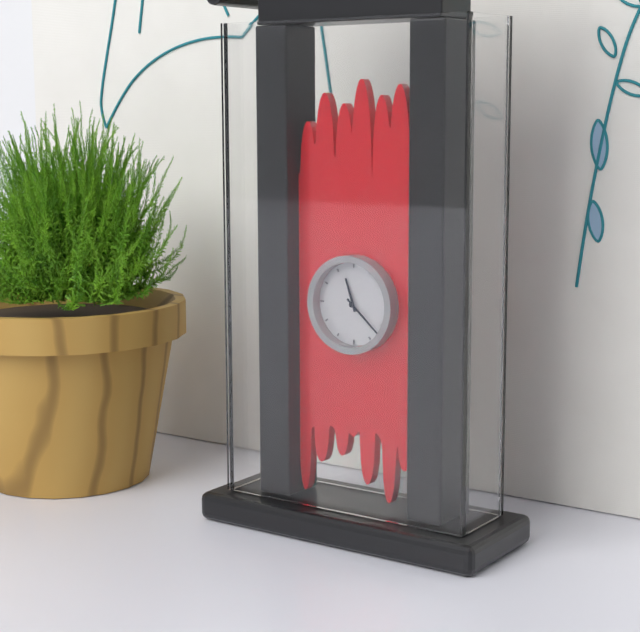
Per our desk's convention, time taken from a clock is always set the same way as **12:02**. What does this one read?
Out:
**11:22**
